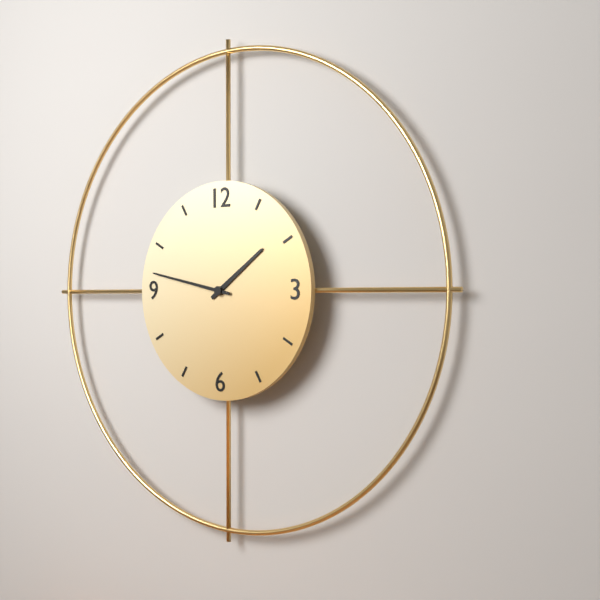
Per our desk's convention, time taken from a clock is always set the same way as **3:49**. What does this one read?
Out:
**1:47**
